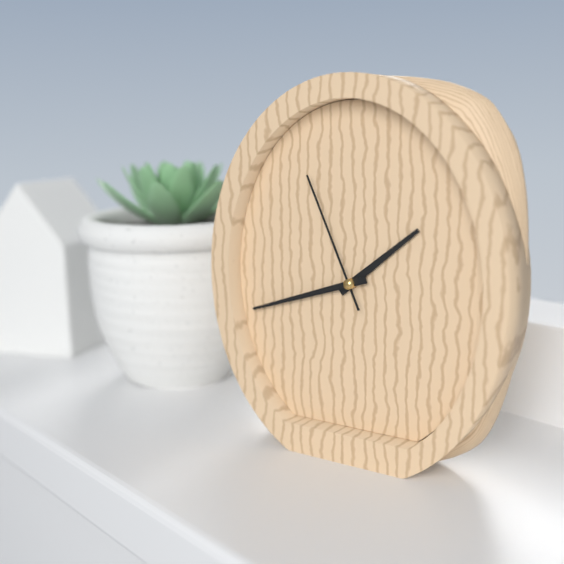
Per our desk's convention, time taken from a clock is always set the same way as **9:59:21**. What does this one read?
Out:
**1:42:56**
